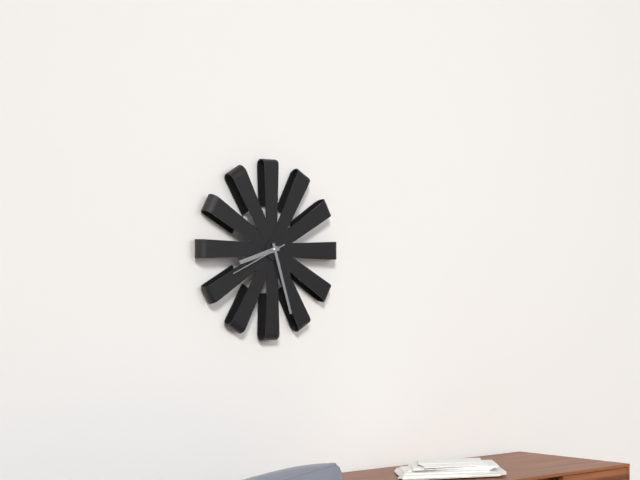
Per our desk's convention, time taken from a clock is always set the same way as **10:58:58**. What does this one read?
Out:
**8:27:41**
